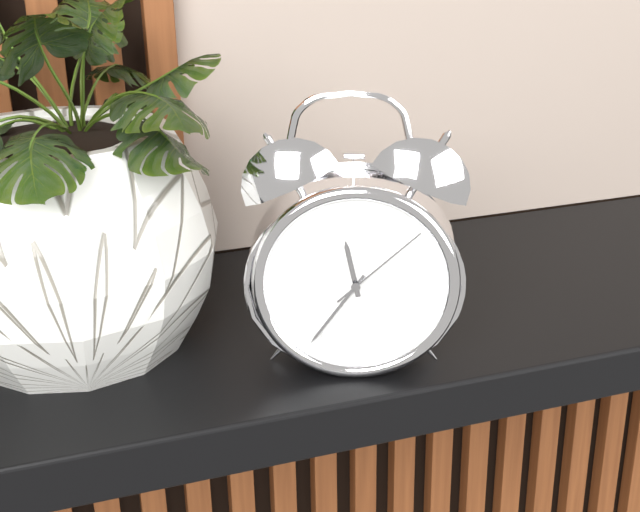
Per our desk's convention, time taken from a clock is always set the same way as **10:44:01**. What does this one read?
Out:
**11:36:08**
